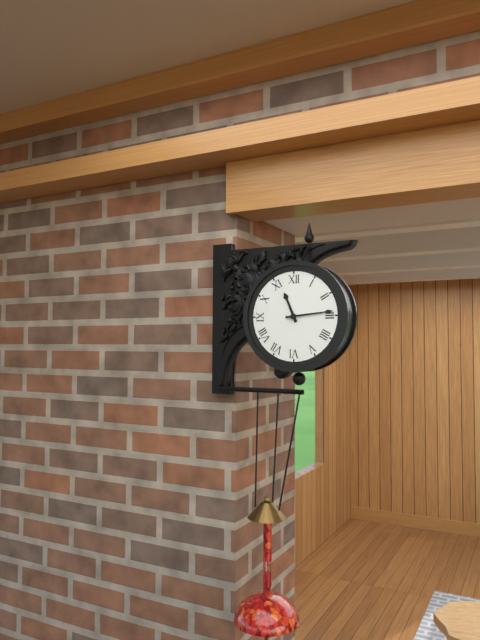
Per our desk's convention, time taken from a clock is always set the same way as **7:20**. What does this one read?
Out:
**11:14**
